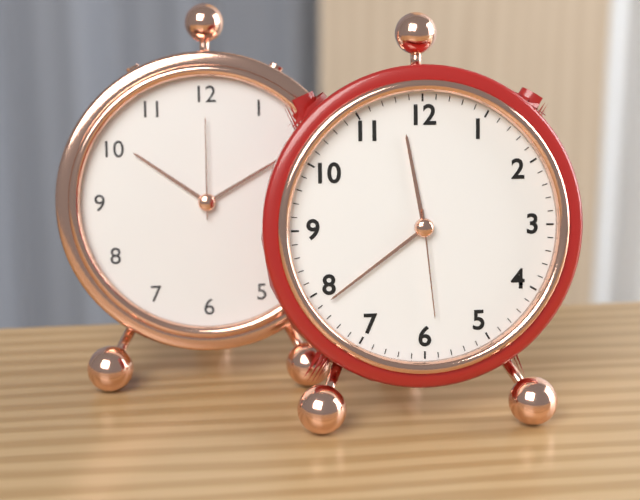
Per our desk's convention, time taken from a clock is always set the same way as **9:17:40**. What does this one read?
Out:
**11:39:29**
